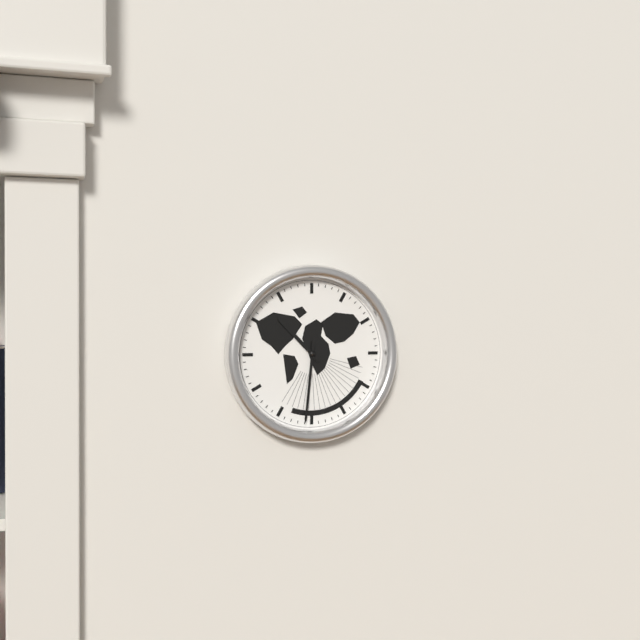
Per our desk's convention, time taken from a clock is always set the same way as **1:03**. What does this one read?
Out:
**10:31**
